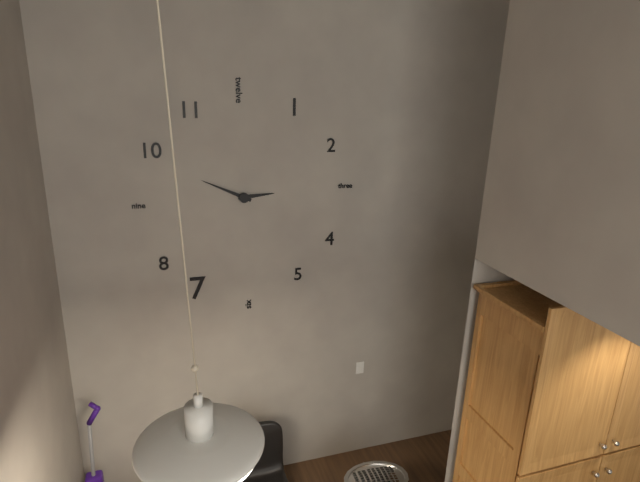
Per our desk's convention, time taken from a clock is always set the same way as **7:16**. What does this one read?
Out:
**2:49**
